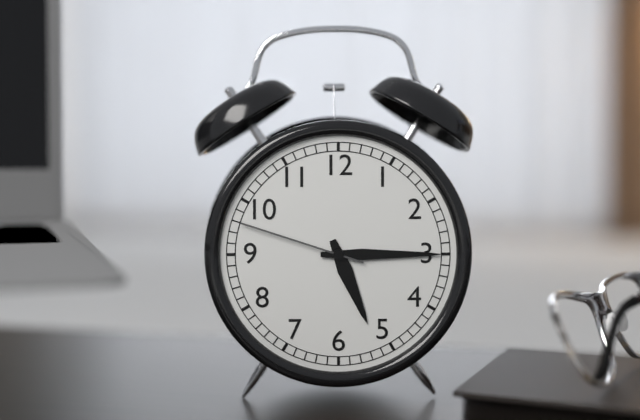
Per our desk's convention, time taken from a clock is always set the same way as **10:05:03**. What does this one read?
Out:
**5:15:48**
